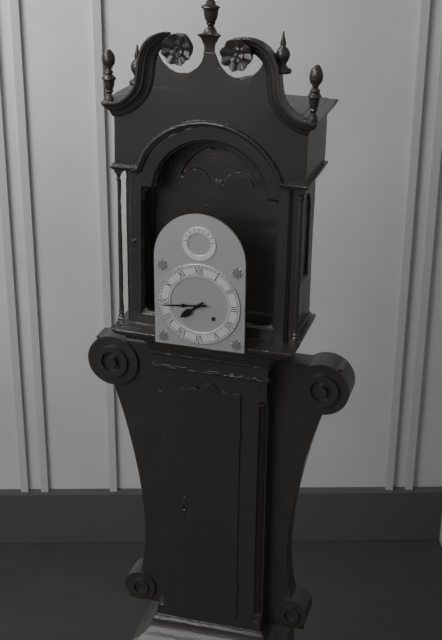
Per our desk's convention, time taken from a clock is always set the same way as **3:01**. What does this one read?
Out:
**7:44**
